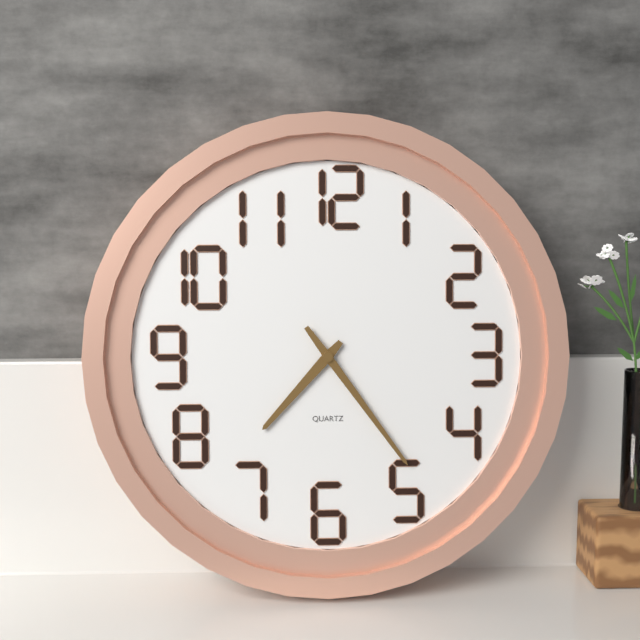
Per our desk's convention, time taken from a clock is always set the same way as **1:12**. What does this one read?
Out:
**7:24**
